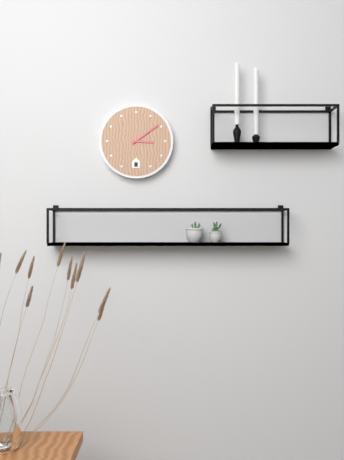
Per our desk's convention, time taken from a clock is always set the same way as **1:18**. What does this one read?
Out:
**3:09**
